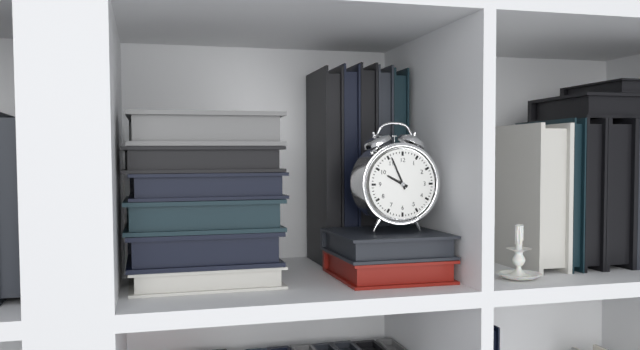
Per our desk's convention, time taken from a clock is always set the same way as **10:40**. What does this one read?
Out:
**9:56**
